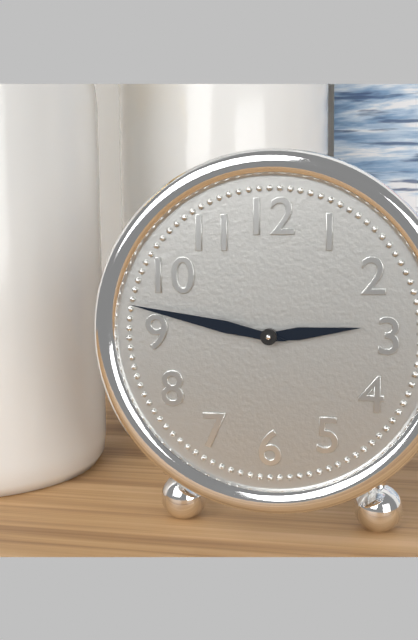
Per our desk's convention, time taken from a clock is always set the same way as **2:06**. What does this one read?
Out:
**2:47**
